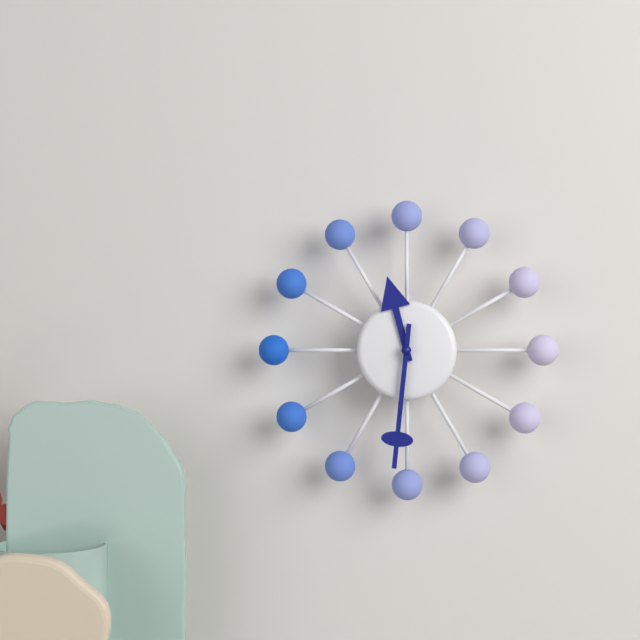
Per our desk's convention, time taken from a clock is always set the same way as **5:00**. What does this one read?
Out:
**11:31**
